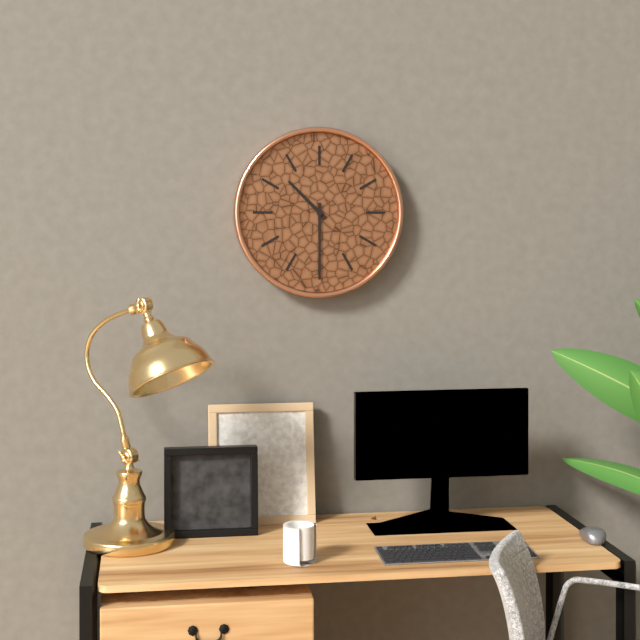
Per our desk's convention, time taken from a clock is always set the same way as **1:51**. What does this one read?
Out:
**10:30**
